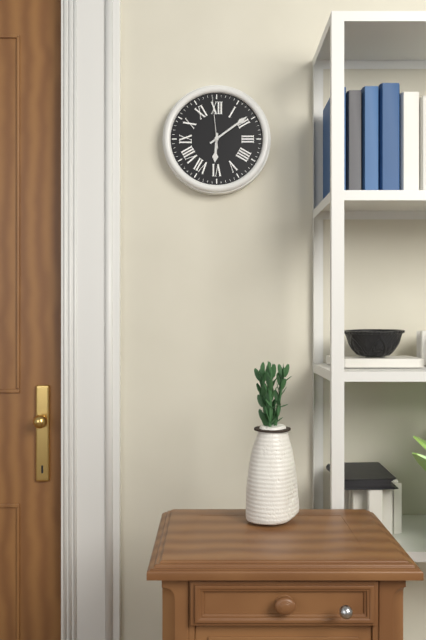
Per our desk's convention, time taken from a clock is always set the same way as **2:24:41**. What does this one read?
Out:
**6:09:59**
